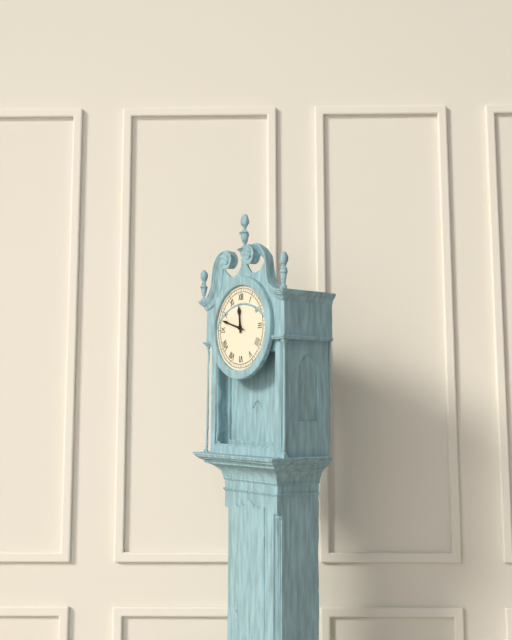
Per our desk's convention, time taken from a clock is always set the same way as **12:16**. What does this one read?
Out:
**11:48**
